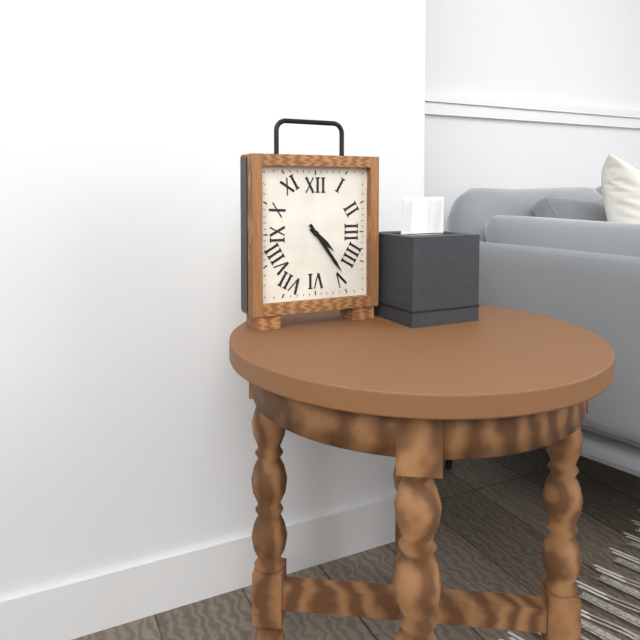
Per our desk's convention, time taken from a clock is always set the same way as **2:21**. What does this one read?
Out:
**4:24**
